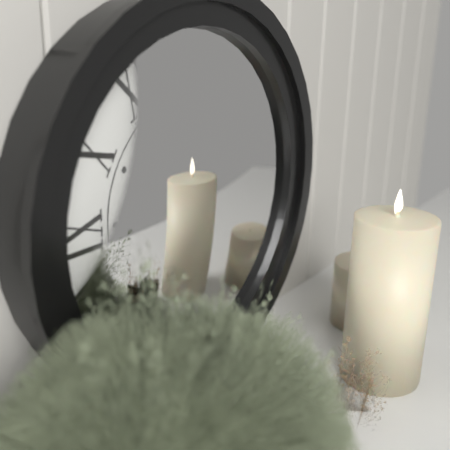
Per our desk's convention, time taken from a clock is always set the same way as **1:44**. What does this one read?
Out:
**11:06**
